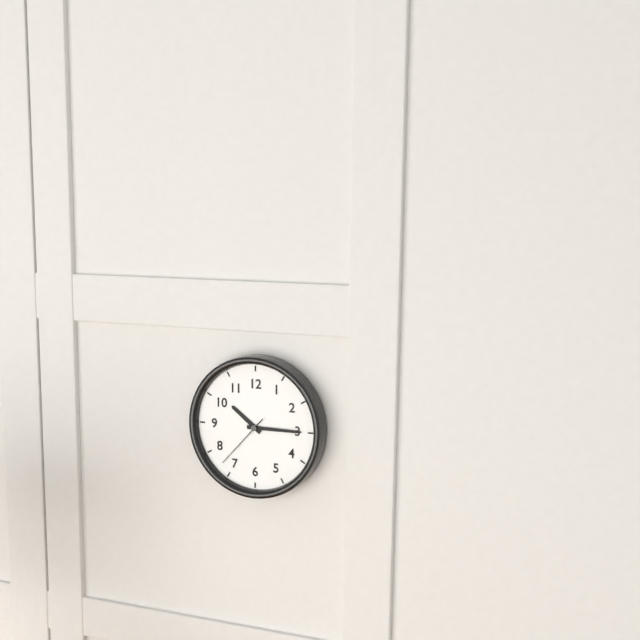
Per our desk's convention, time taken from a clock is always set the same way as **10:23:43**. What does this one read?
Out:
**10:15:37**
